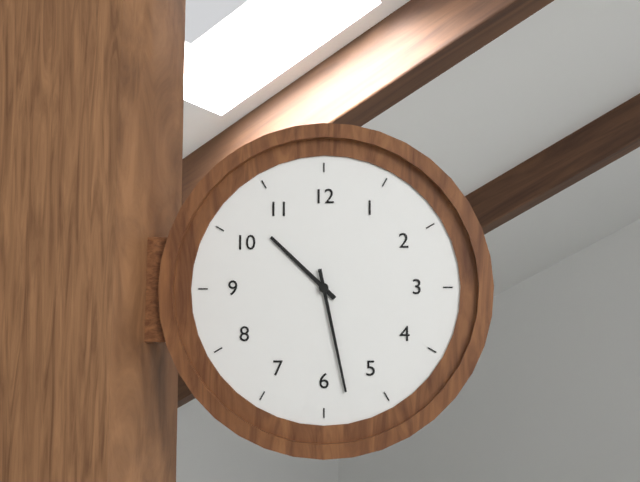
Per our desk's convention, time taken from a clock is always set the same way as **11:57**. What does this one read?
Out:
**10:28**
